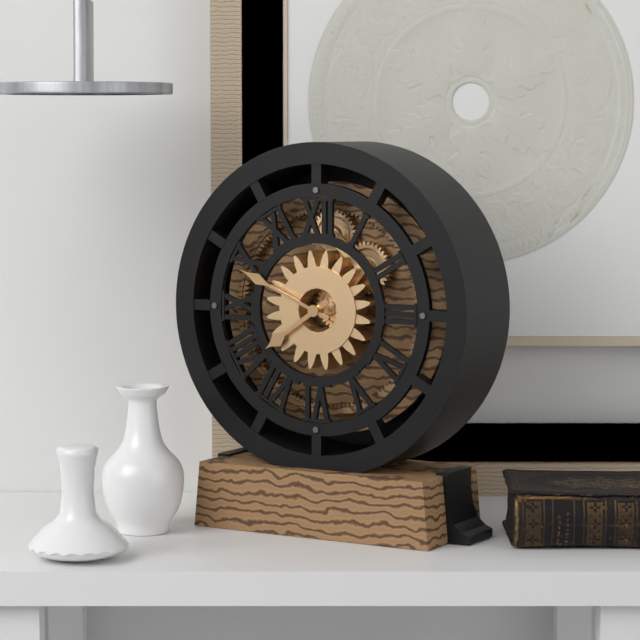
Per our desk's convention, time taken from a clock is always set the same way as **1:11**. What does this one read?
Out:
**7:49**
